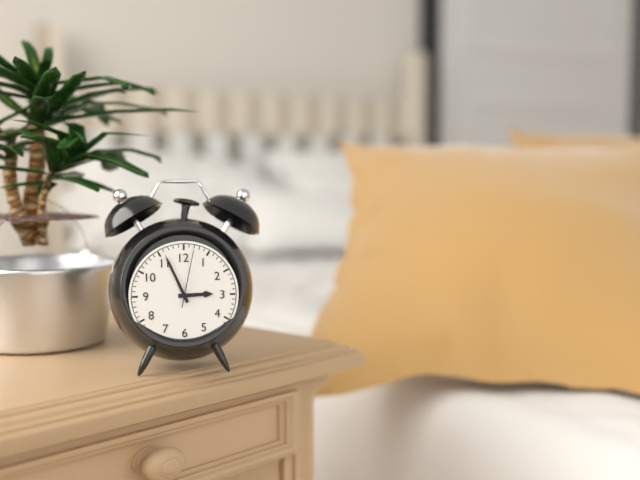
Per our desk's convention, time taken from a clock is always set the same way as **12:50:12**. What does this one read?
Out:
**2:56:02**
